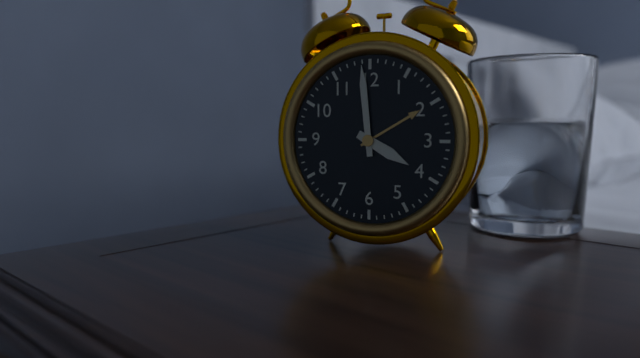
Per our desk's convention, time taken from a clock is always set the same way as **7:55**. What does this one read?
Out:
**3:59**
